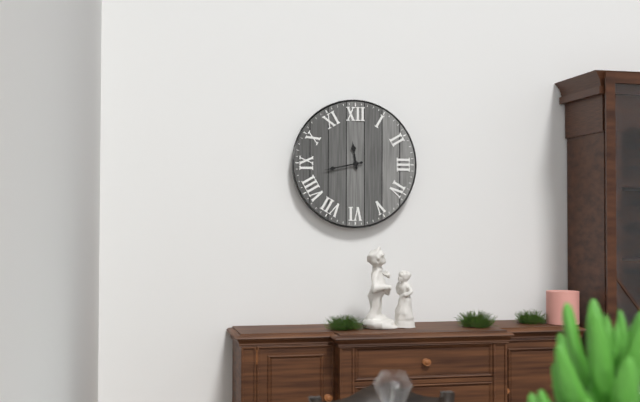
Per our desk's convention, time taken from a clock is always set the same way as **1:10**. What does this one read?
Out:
**11:43**
